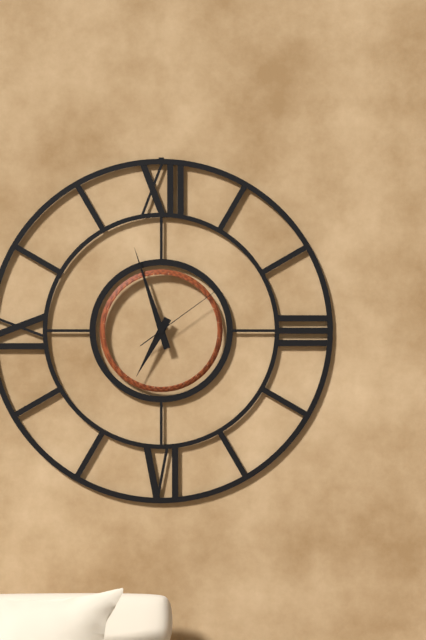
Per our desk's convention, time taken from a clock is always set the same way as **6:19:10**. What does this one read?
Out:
**6:57:09**
